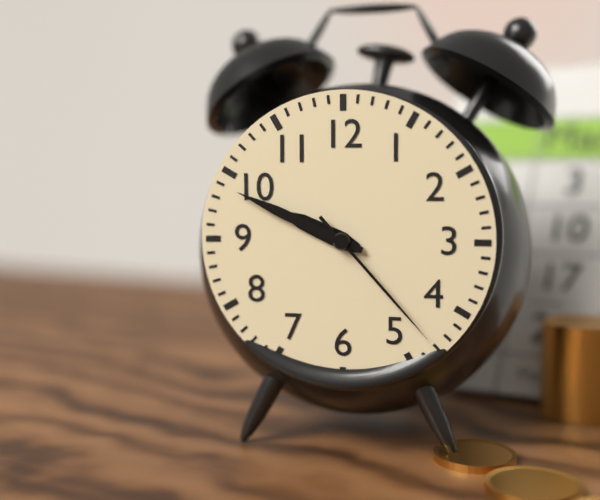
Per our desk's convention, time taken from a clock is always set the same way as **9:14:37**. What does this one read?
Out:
**9:49:23**
